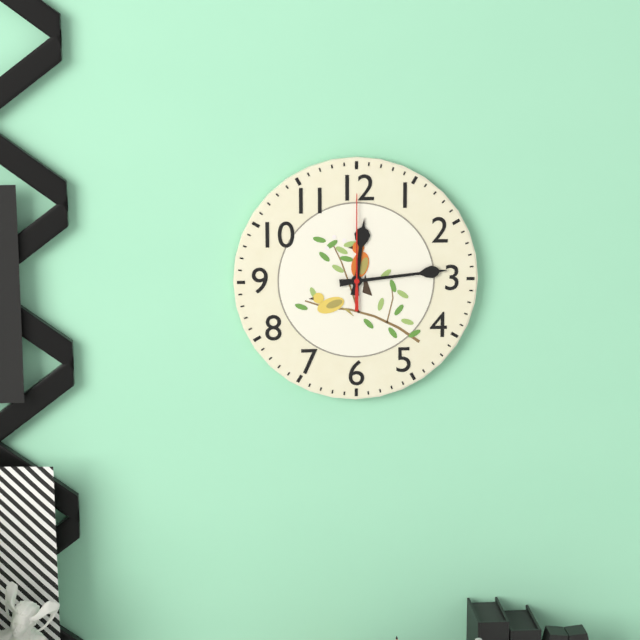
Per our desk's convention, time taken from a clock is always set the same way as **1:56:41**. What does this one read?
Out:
**12:14:00**
